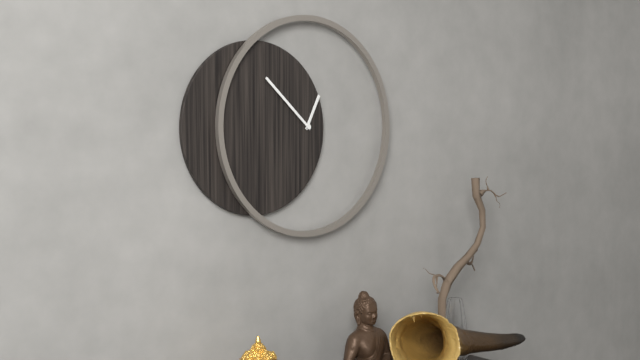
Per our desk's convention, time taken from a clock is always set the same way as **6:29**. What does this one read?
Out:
**12:52**
